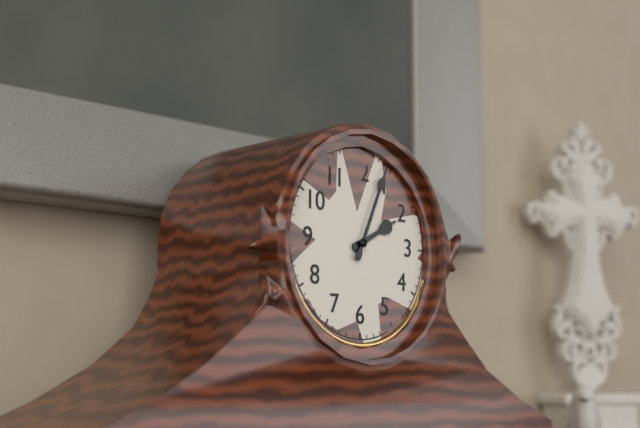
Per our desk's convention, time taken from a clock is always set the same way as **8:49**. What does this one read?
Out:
**2:04**
